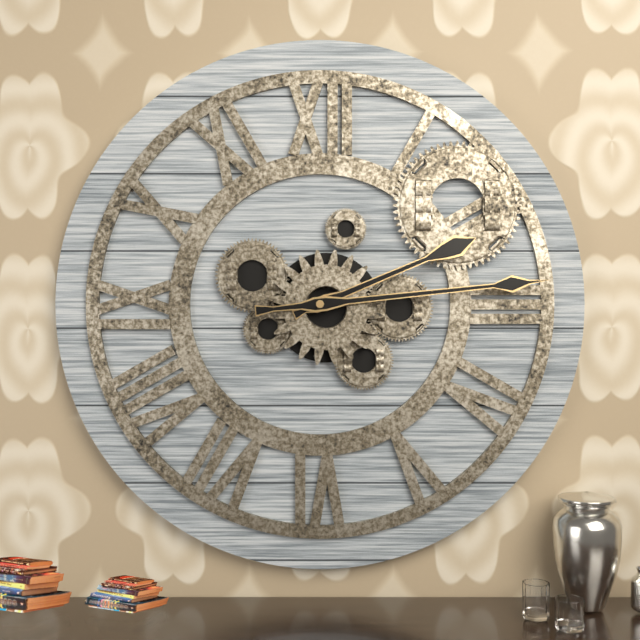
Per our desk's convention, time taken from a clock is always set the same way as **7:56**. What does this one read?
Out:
**2:14**
